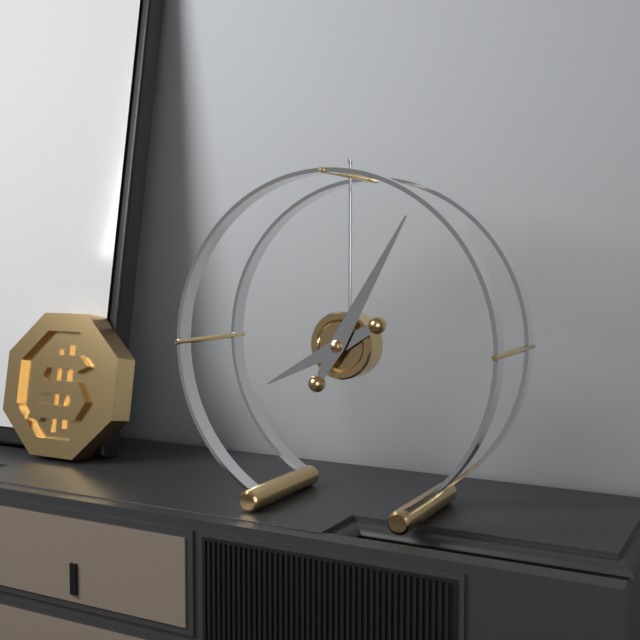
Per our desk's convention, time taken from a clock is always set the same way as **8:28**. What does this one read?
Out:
**8:05**
